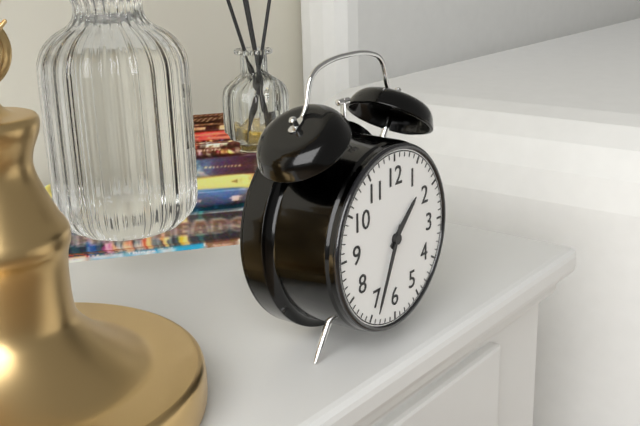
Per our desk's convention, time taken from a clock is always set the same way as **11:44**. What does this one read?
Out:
**1:34**
